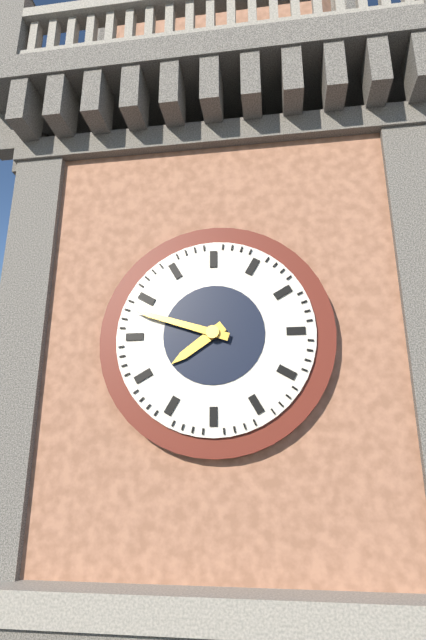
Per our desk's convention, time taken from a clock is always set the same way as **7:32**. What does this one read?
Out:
**7:48**
